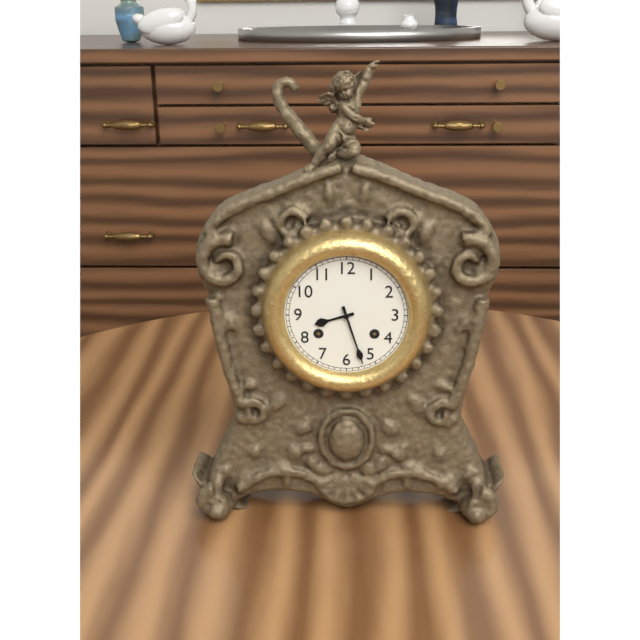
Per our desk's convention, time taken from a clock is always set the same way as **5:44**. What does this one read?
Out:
**8:27**
